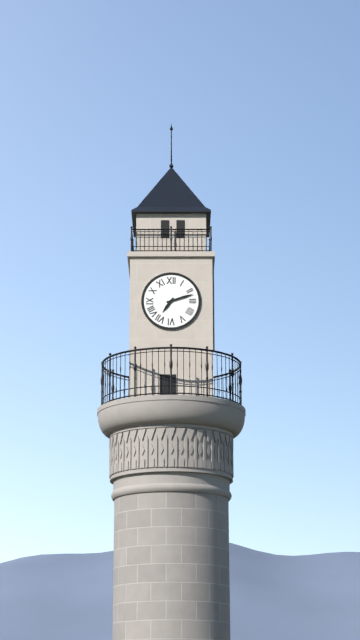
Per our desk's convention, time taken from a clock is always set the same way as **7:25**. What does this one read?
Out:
**7:12**
